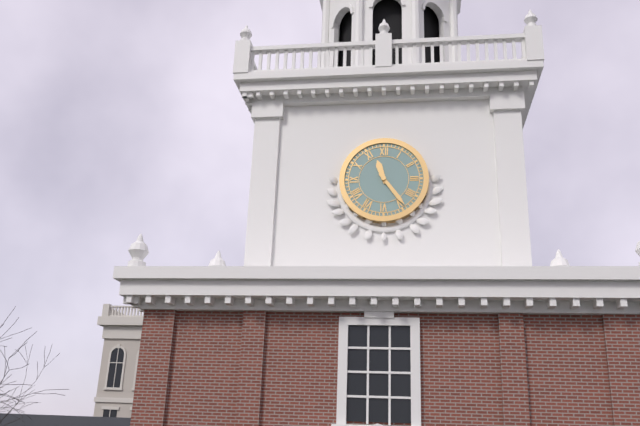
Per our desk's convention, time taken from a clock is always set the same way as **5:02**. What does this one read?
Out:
**11:24**
